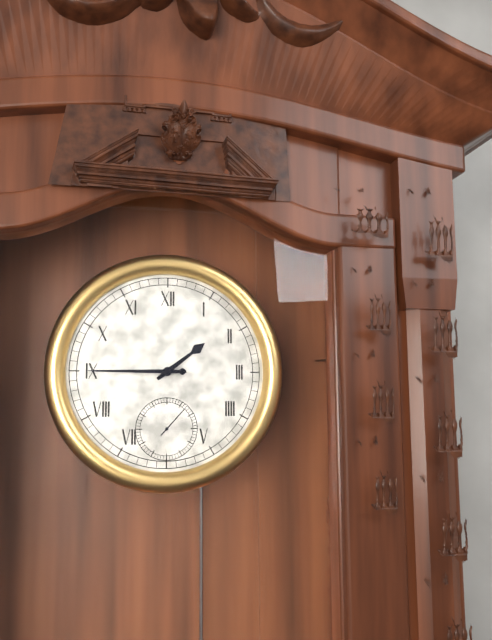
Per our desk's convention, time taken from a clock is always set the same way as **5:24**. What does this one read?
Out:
**1:45**
